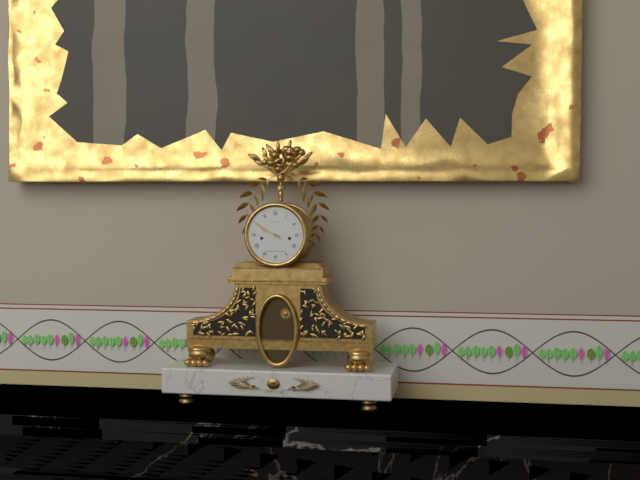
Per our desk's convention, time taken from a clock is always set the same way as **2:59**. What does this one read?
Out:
**9:50**
